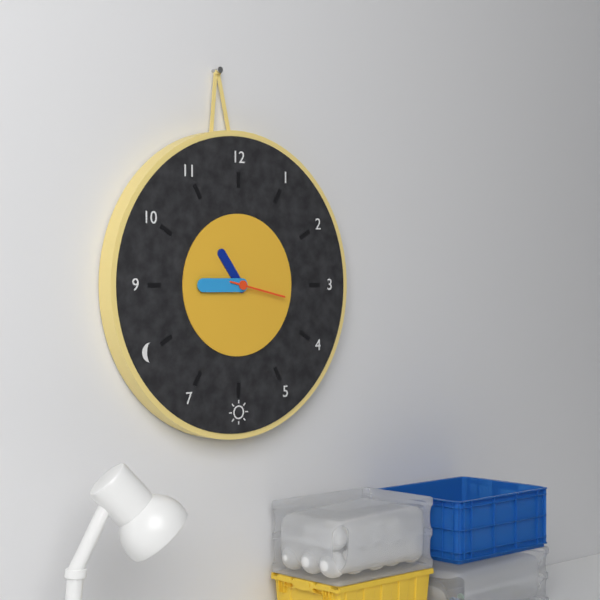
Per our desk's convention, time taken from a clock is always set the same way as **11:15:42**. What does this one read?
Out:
**10:45:17**
